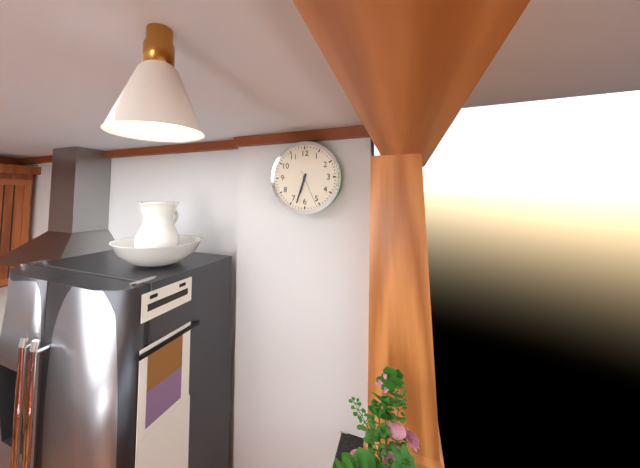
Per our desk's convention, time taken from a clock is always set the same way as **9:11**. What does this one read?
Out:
**6:33**
